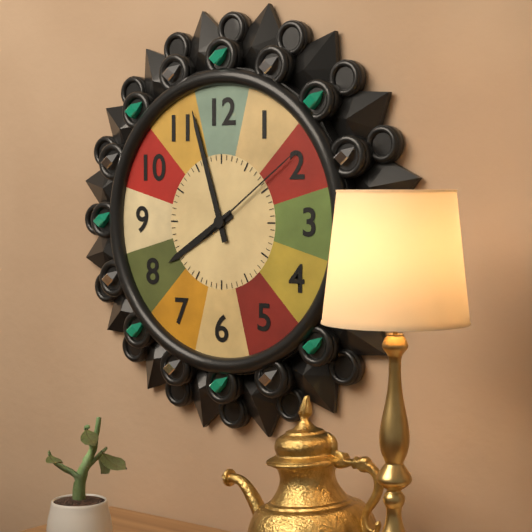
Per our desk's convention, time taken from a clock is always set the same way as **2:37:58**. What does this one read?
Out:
**7:57:09**
